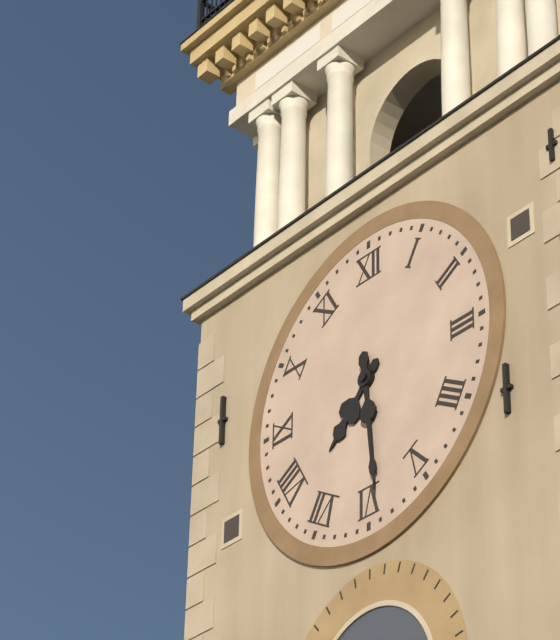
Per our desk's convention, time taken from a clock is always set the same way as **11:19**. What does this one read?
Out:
**7:29**
